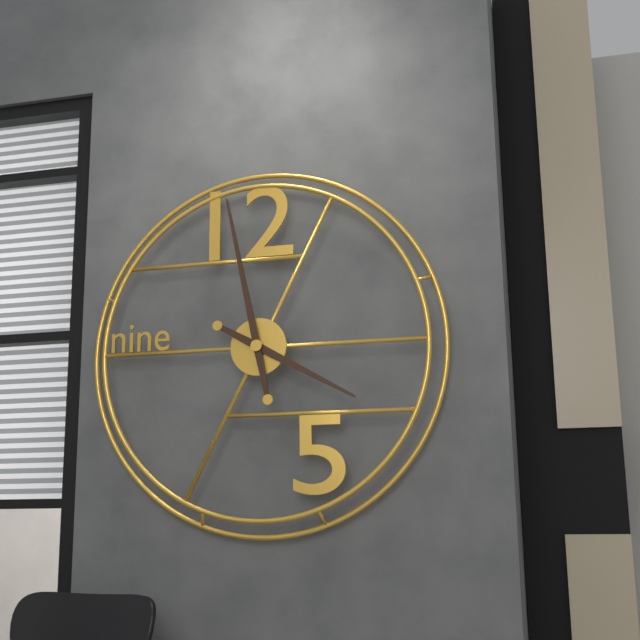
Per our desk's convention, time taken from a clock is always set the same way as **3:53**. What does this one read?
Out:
**3:58**
